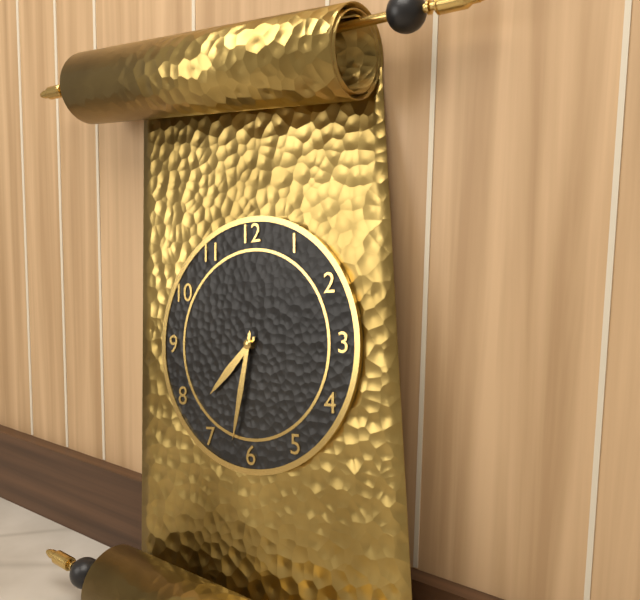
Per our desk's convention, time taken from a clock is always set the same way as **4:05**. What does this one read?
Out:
**7:32**
